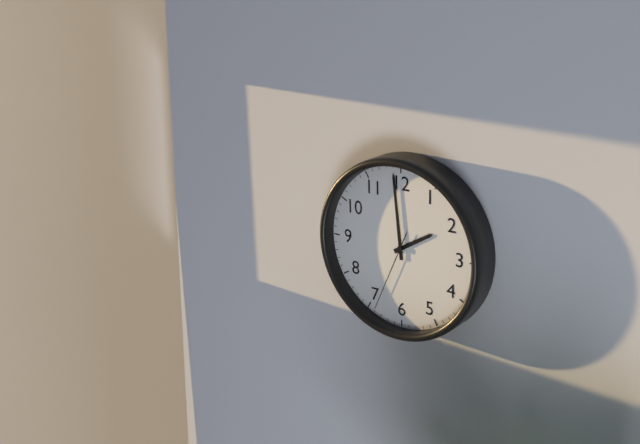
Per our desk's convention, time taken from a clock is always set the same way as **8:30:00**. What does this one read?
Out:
**1:59:34**
